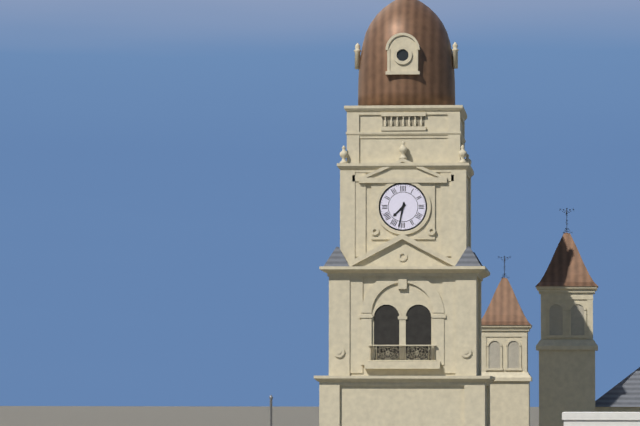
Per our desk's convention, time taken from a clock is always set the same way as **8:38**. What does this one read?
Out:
**7:32**
